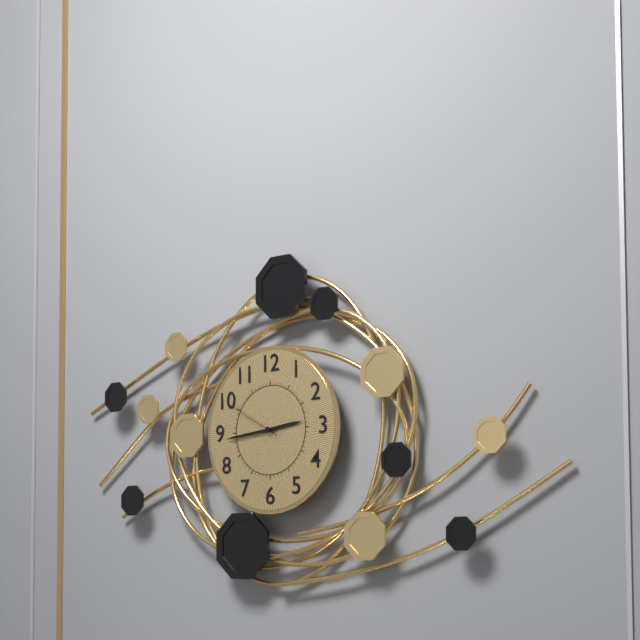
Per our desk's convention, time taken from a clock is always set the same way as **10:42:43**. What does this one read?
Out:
**2:44:50**
